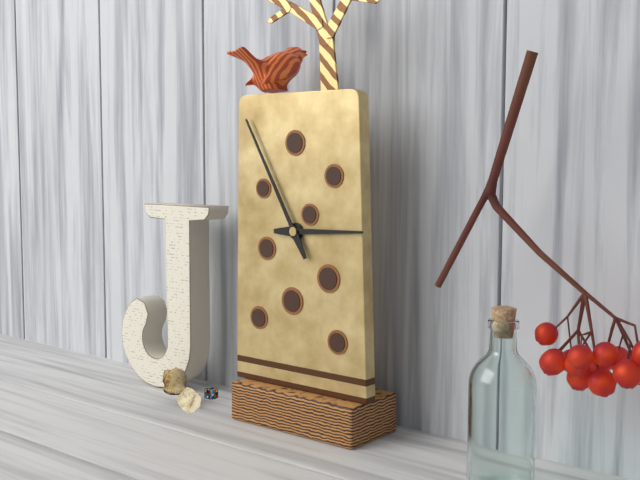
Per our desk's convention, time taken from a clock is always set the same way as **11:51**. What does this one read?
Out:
**2:55**
